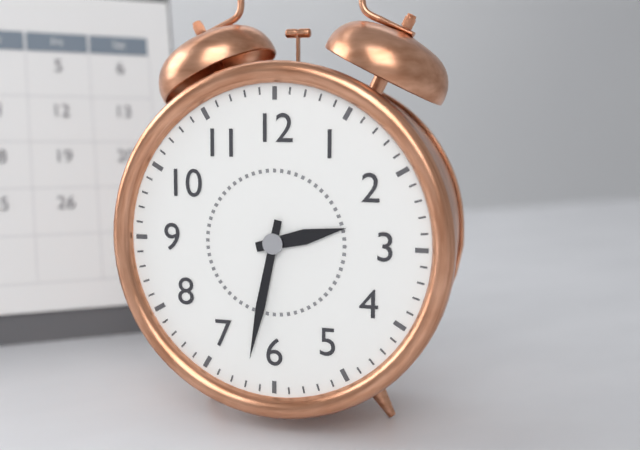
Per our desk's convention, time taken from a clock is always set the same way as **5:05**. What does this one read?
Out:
**2:32**
